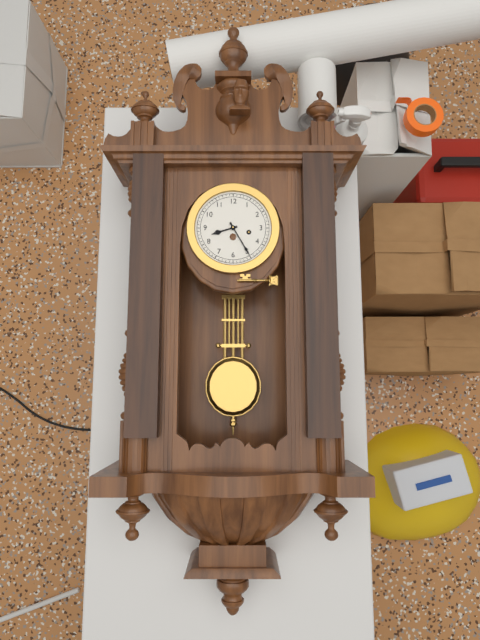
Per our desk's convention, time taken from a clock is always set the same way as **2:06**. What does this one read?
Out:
**8:25**
